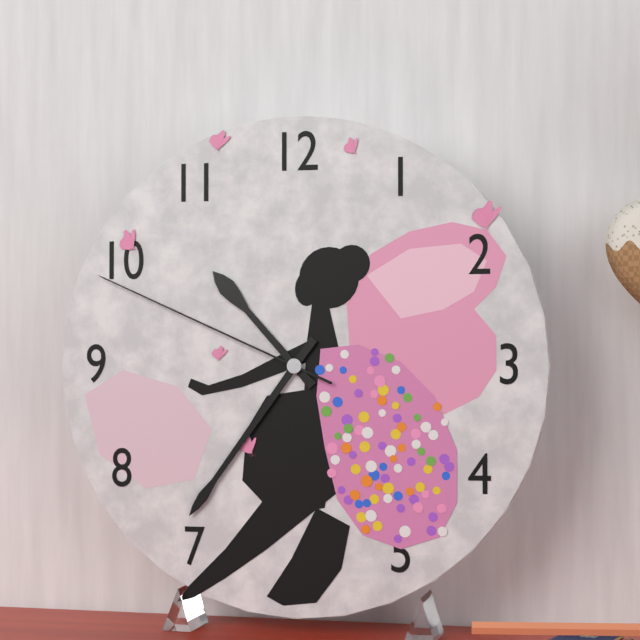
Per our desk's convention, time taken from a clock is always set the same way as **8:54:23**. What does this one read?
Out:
**10:36:49**
